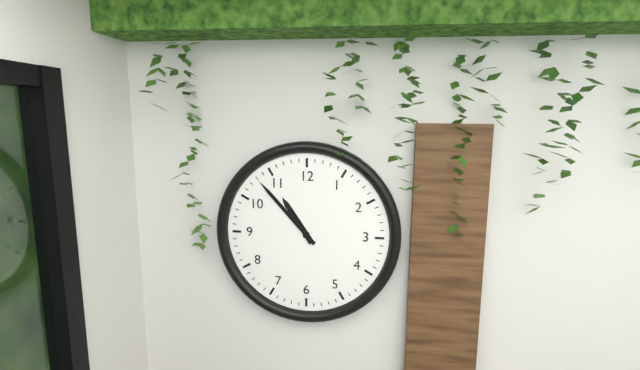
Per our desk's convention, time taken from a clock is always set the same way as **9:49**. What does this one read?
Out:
**10:53**
